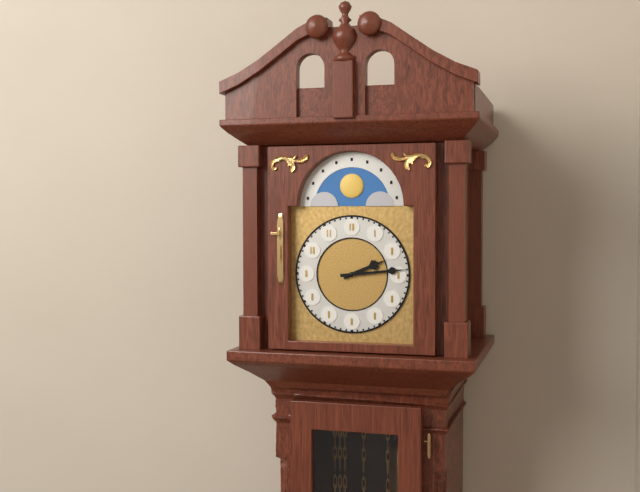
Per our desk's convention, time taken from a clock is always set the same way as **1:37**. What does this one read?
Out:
**2:14**
